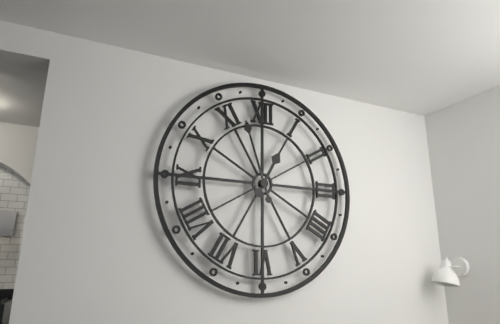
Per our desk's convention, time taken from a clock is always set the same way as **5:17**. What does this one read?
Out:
**12:57**
